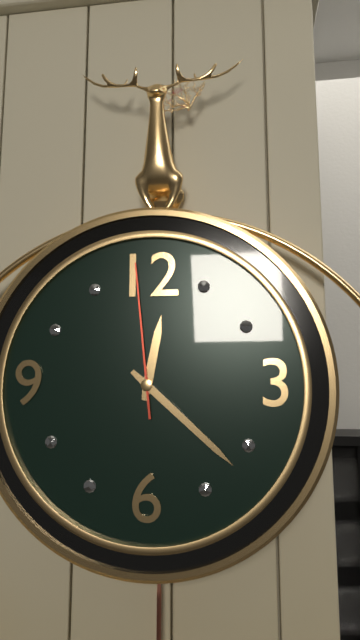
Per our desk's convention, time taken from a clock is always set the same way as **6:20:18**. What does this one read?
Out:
**12:22:59**
